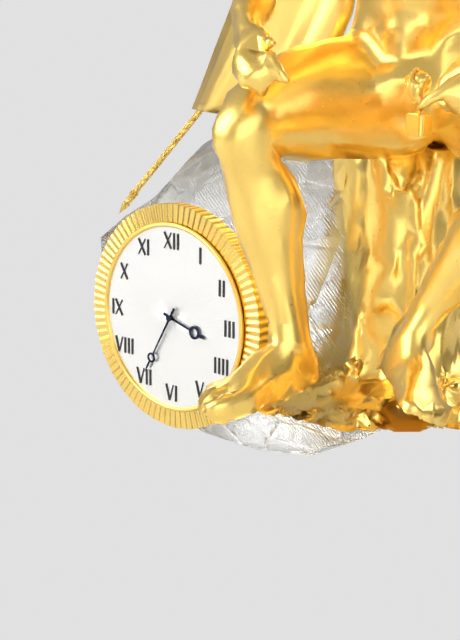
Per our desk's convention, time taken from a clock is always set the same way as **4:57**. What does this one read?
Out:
**3:35**
